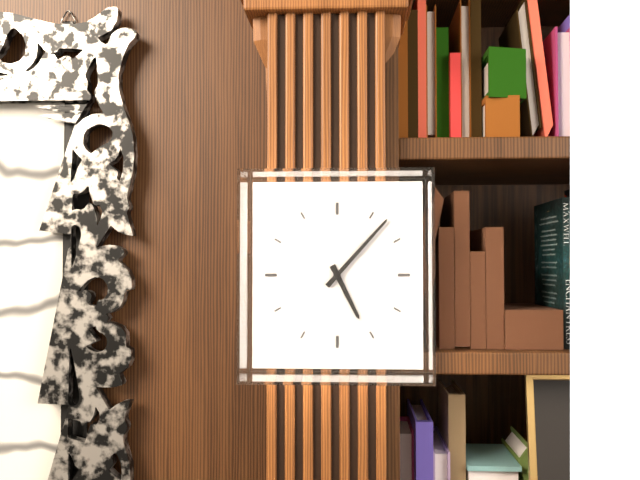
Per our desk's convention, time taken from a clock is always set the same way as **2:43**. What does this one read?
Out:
**5:07**
